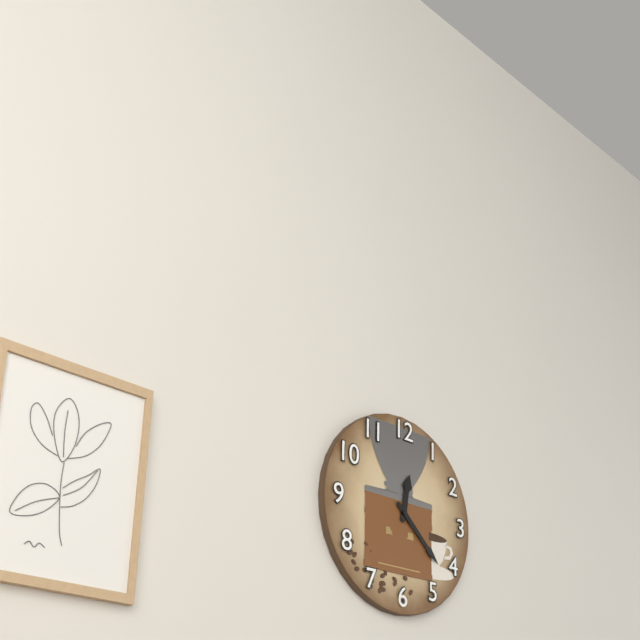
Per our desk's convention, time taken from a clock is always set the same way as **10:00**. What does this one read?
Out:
**12:22**
